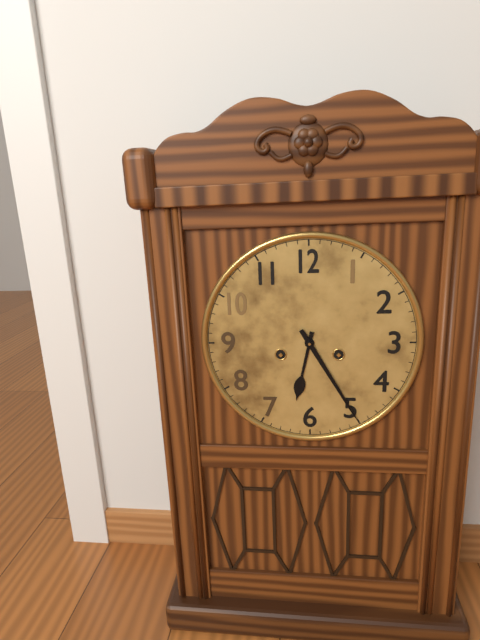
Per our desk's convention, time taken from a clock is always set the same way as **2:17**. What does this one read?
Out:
**6:25**
